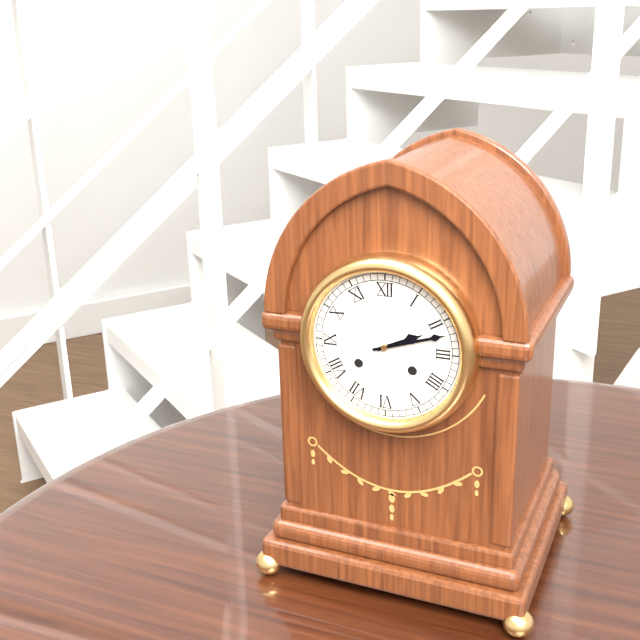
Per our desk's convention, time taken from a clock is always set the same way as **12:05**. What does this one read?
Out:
**2:12**
